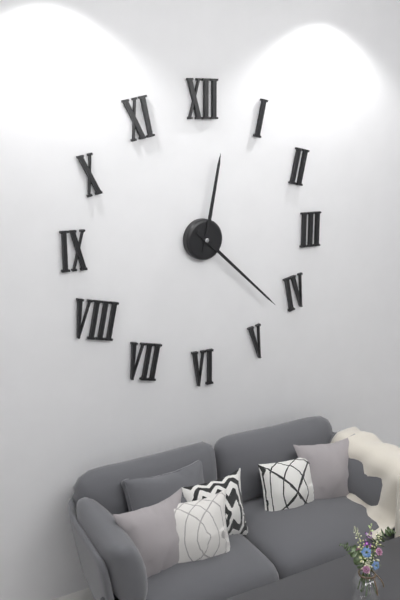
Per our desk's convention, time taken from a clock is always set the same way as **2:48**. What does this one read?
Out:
**12:22**
